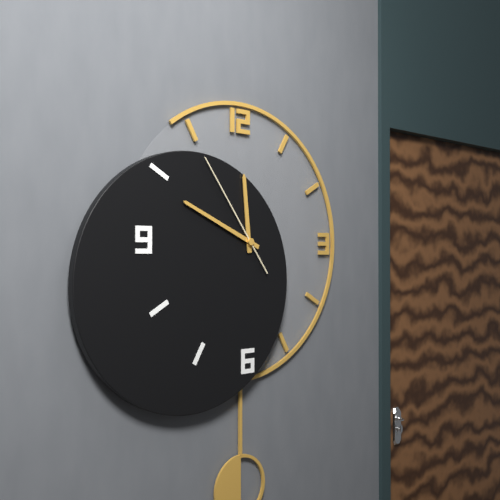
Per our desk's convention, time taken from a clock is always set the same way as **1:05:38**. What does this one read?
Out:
**11:49:54**
